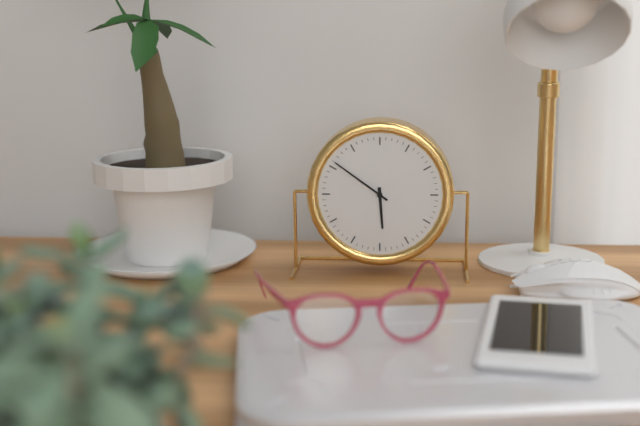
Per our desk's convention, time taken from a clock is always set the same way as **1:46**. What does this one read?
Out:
**5:51**
